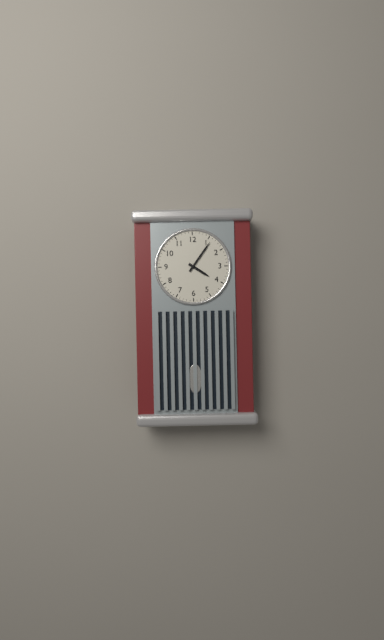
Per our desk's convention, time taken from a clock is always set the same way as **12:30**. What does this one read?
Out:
**4:06**
